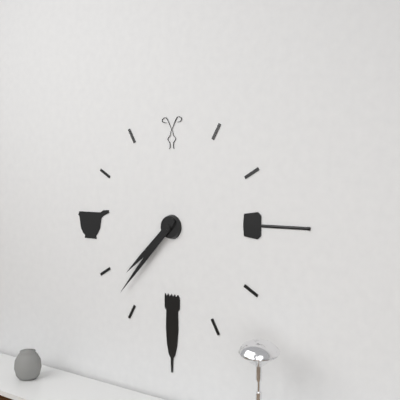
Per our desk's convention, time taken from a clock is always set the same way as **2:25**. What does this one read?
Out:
**7:37**
